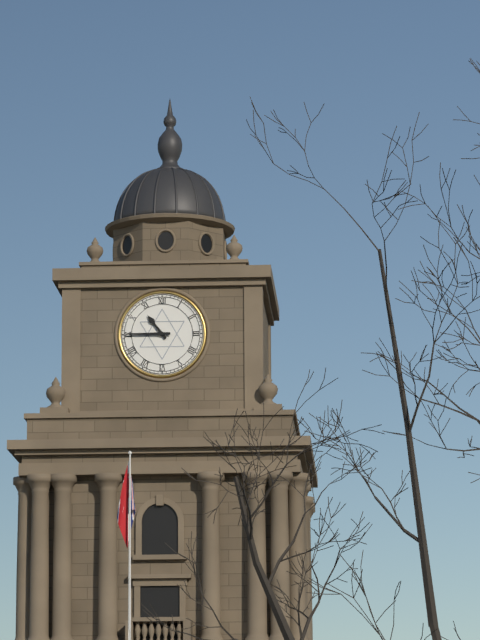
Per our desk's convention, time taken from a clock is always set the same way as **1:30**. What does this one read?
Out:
**10:45**
